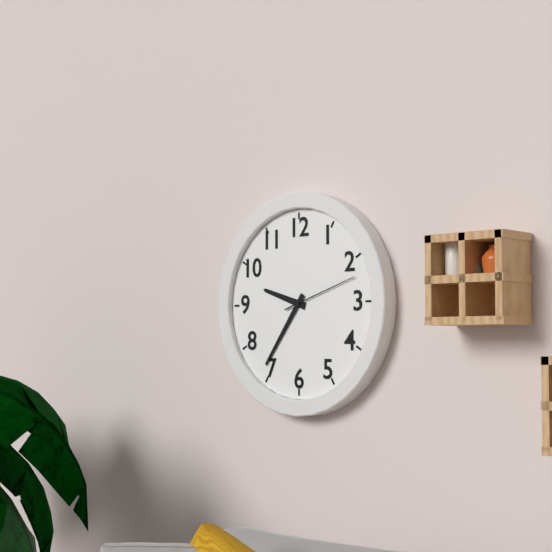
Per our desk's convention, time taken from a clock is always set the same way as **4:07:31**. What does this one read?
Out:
**9:36:12**
